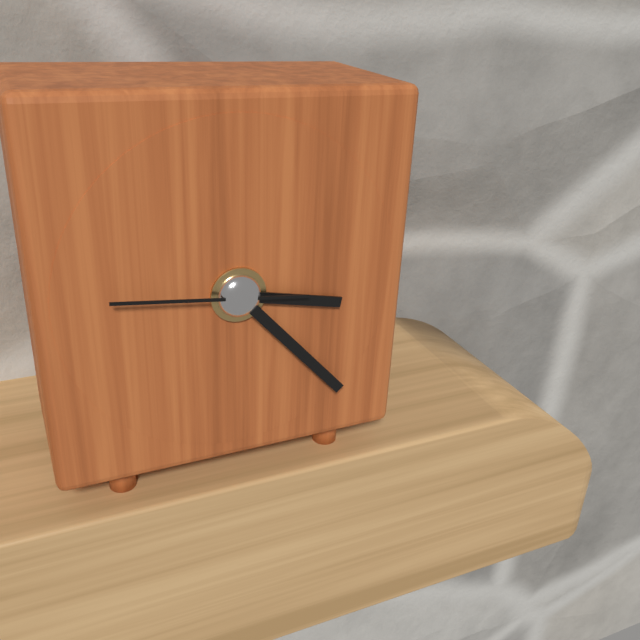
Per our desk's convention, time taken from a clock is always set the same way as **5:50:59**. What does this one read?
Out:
**3:23:46**
